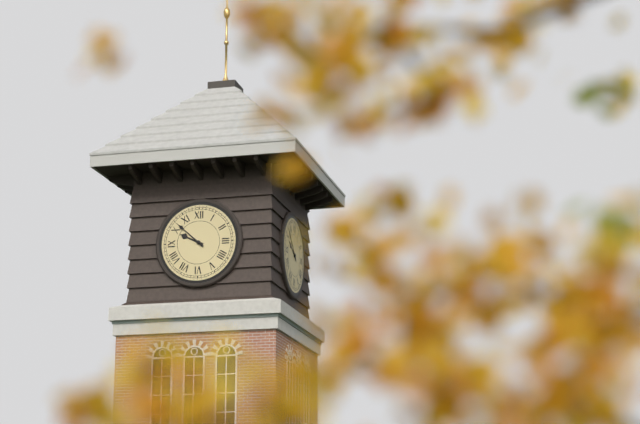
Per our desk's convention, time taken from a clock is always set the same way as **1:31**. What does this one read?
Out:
**9:52**
